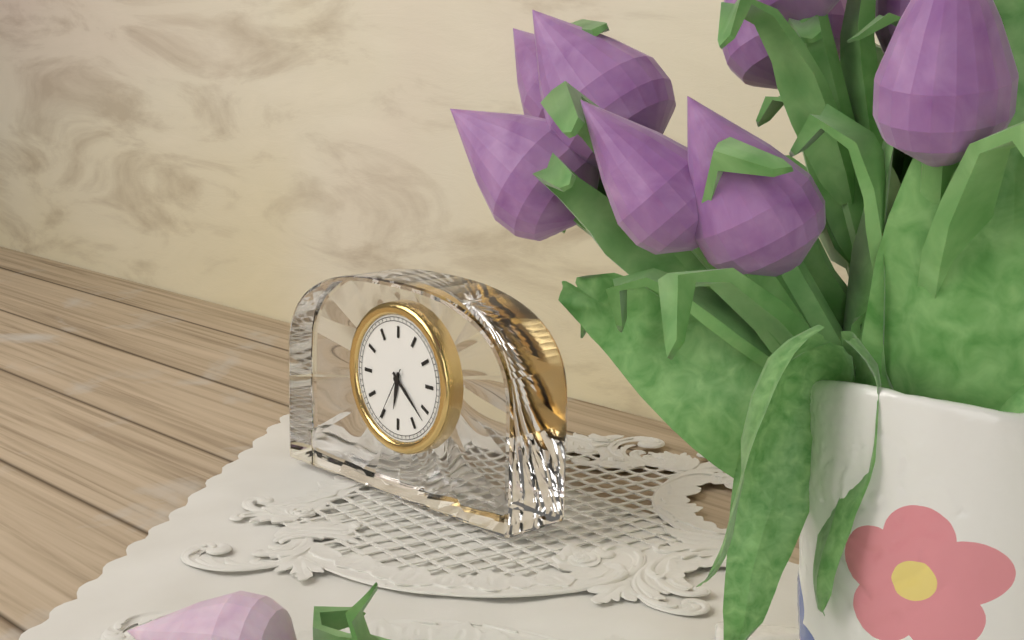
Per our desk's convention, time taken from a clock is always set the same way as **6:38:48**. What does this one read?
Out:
**6:22:35**
